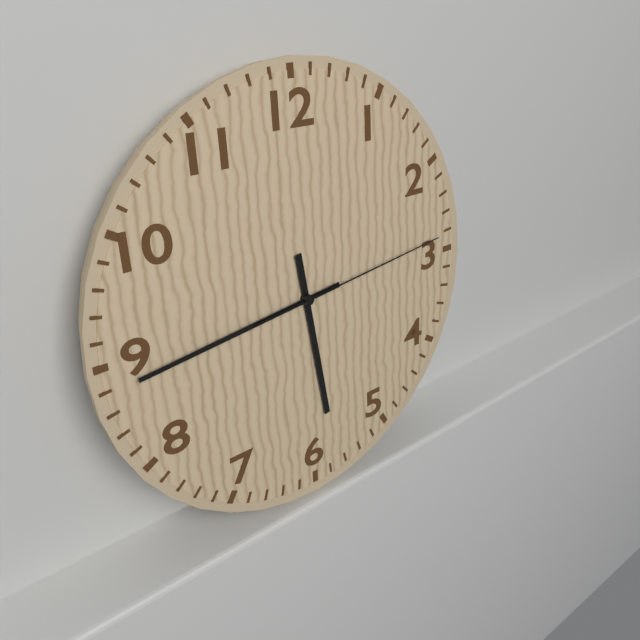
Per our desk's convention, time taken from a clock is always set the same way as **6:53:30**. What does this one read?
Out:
**5:44:14**
